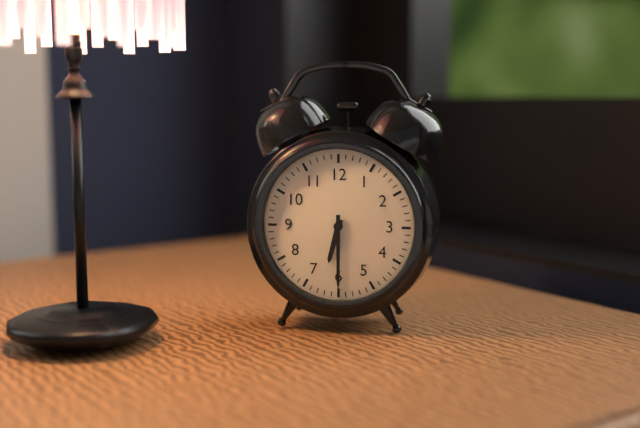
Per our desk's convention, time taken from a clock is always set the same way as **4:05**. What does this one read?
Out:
**6:30**
